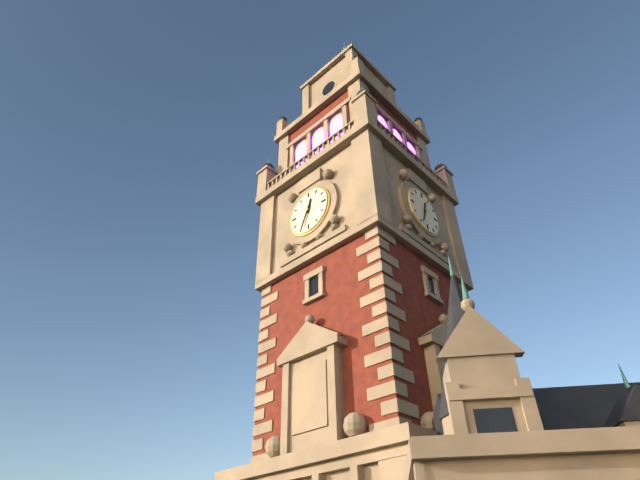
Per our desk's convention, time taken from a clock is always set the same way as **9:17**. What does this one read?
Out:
**12:34**
